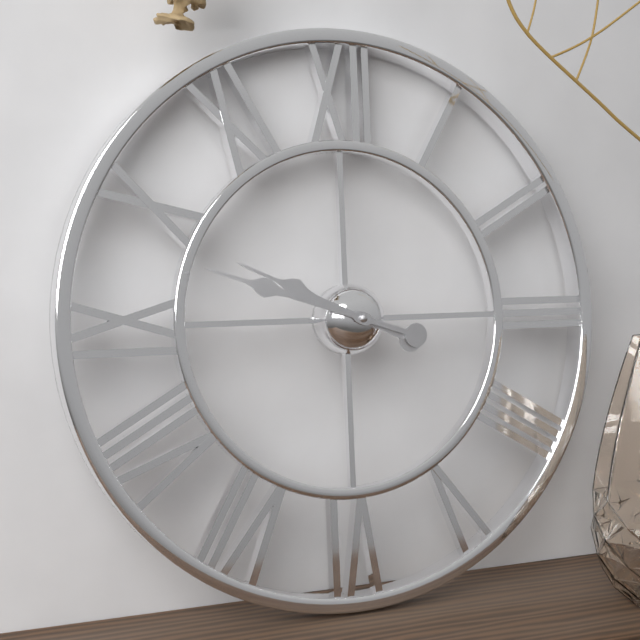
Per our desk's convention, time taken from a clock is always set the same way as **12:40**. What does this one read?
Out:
**9:48**
